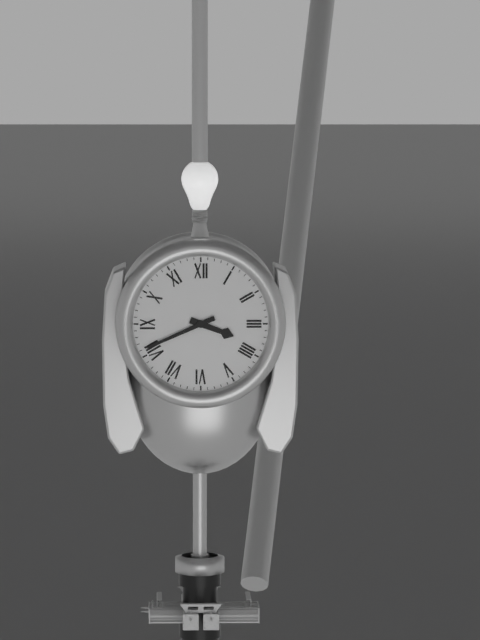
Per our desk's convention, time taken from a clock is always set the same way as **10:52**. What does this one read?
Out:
**3:41**
